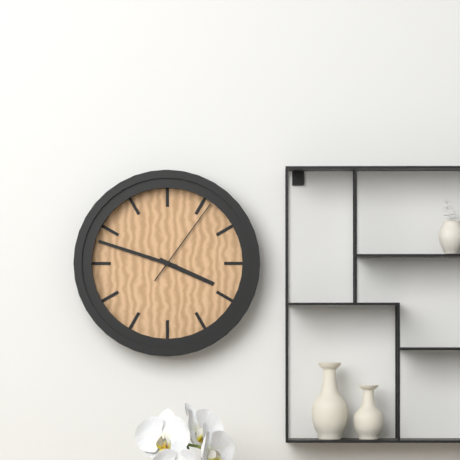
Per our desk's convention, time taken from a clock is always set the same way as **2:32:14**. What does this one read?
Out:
**3:48:06**
